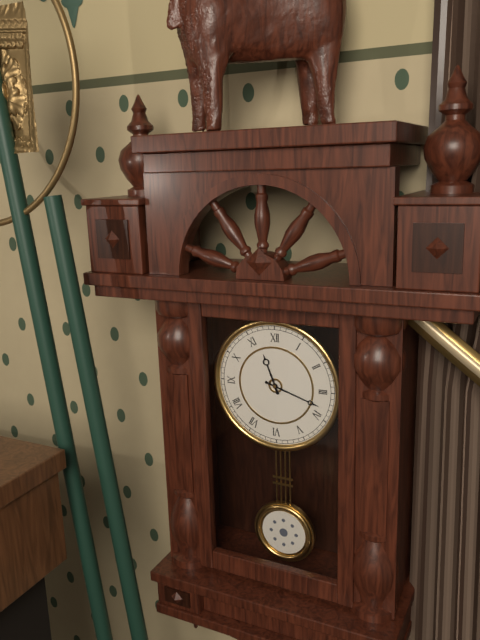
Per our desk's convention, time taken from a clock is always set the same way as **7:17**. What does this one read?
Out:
**11:18**
